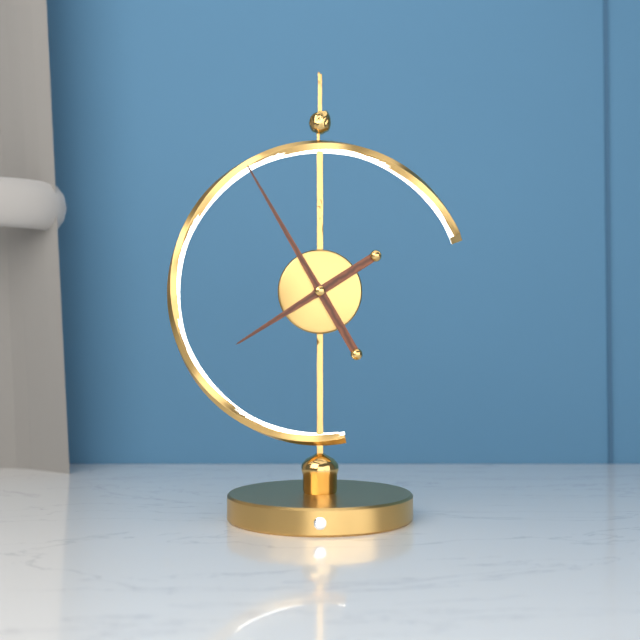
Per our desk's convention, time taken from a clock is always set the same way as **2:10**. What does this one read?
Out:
**7:55**
